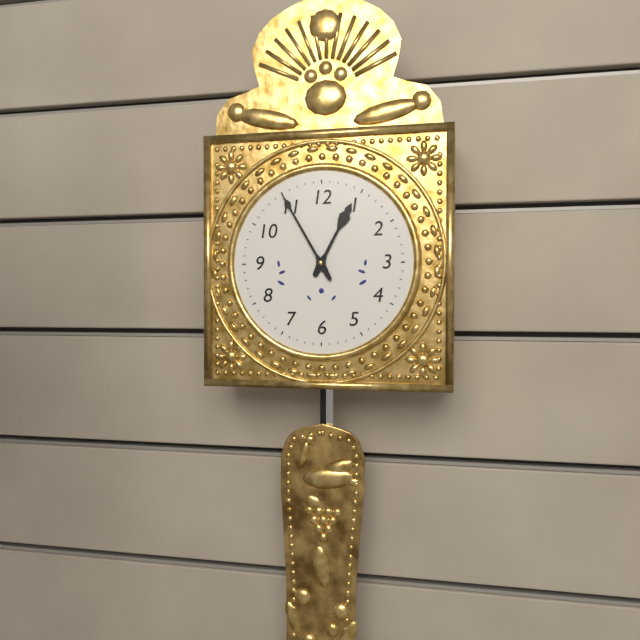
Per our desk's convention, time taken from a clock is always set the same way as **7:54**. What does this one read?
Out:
**12:55**
